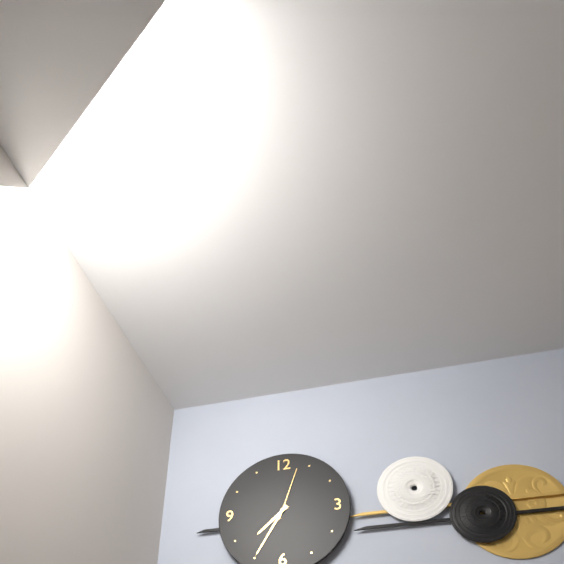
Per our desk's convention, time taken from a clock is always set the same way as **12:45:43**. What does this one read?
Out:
**7:35:03**
